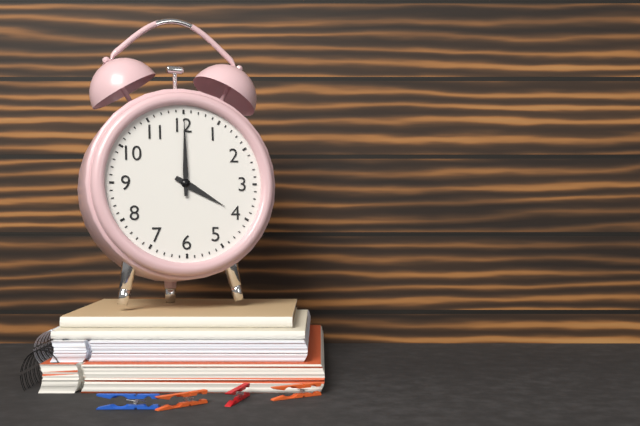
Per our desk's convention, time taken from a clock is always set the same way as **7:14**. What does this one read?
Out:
**4:00**
